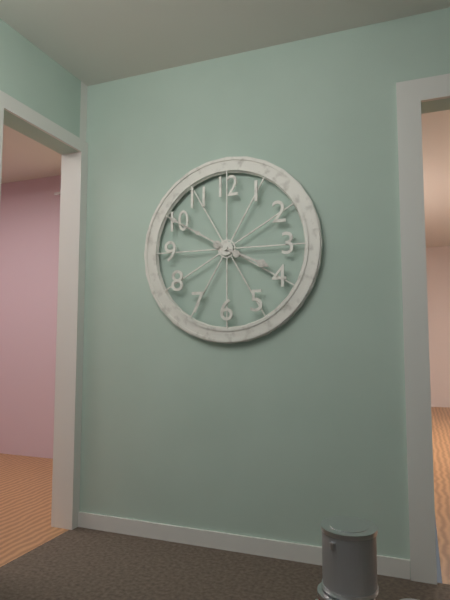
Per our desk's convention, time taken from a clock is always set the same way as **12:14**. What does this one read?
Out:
**3:50**
